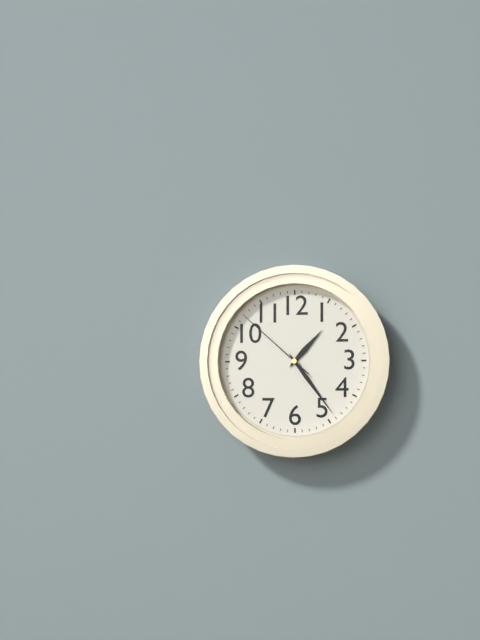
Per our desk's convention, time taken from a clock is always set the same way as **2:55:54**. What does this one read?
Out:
**1:24:52**
